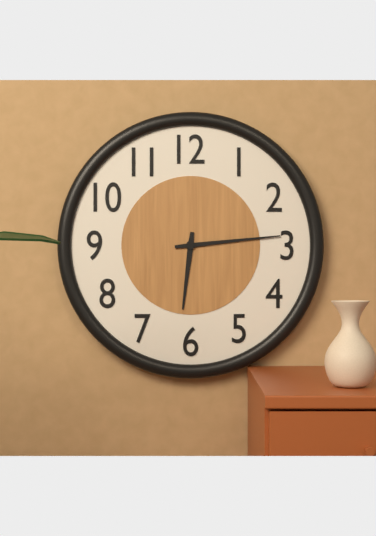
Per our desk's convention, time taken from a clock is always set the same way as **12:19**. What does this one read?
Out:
**6:14**
